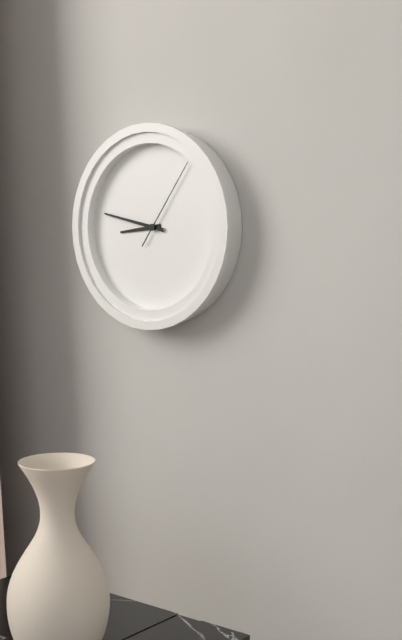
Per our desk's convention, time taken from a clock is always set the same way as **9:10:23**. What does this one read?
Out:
**8:47:06**
